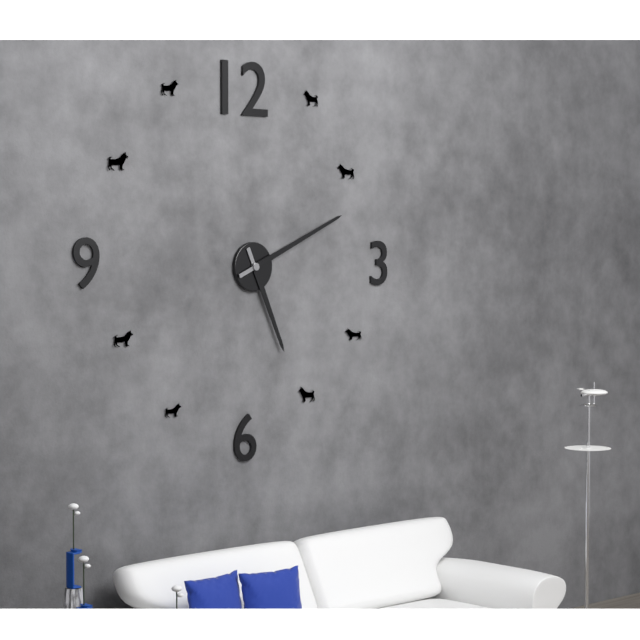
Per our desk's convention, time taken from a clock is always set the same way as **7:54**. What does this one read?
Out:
**5:11**
